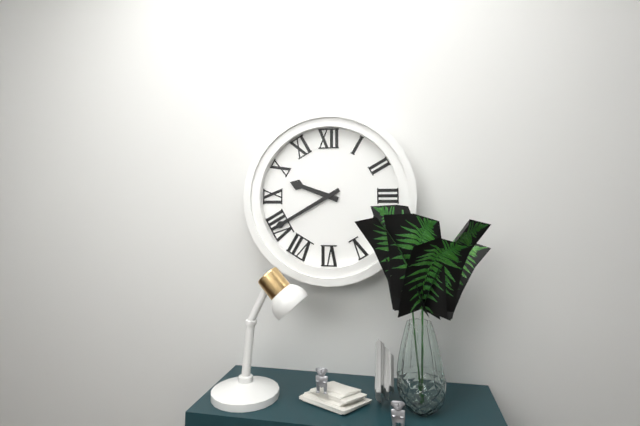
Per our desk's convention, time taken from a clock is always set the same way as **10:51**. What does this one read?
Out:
**9:40**
